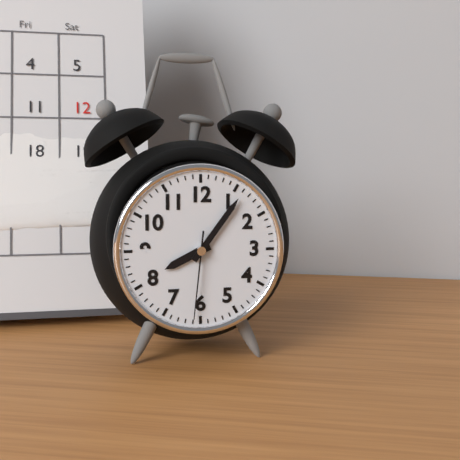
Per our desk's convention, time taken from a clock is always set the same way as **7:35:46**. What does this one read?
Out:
**8:06:31**
